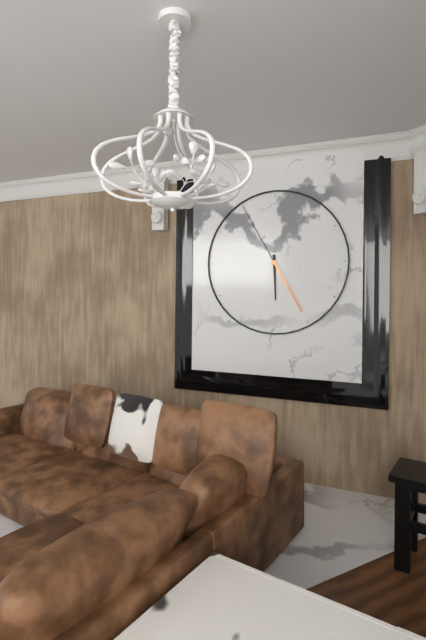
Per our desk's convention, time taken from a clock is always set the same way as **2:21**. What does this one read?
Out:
**5:55**
